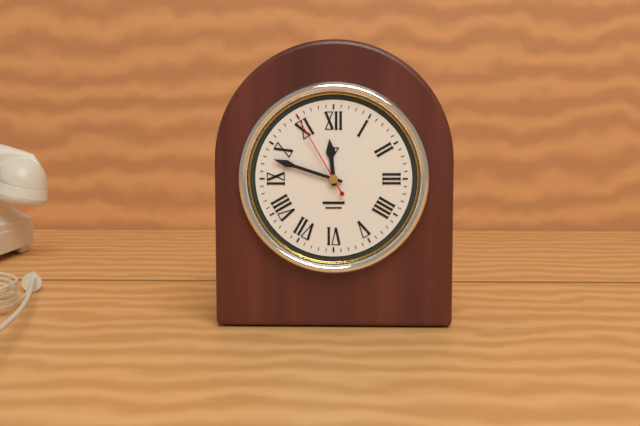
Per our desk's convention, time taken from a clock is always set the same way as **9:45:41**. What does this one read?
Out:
**11:48:55**
